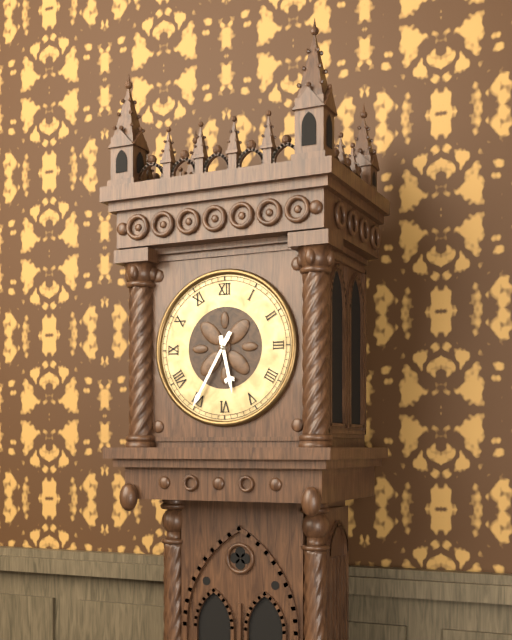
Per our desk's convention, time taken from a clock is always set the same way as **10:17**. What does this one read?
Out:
**5:35**
